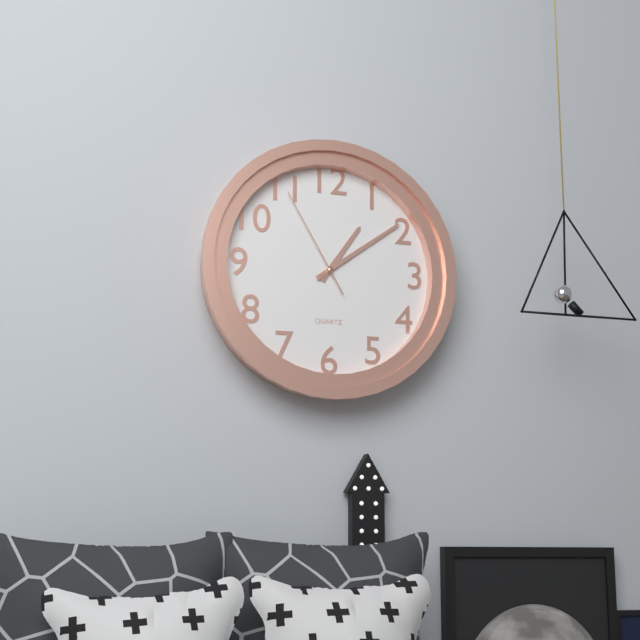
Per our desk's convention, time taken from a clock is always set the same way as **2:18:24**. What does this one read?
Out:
**1:09:55**
